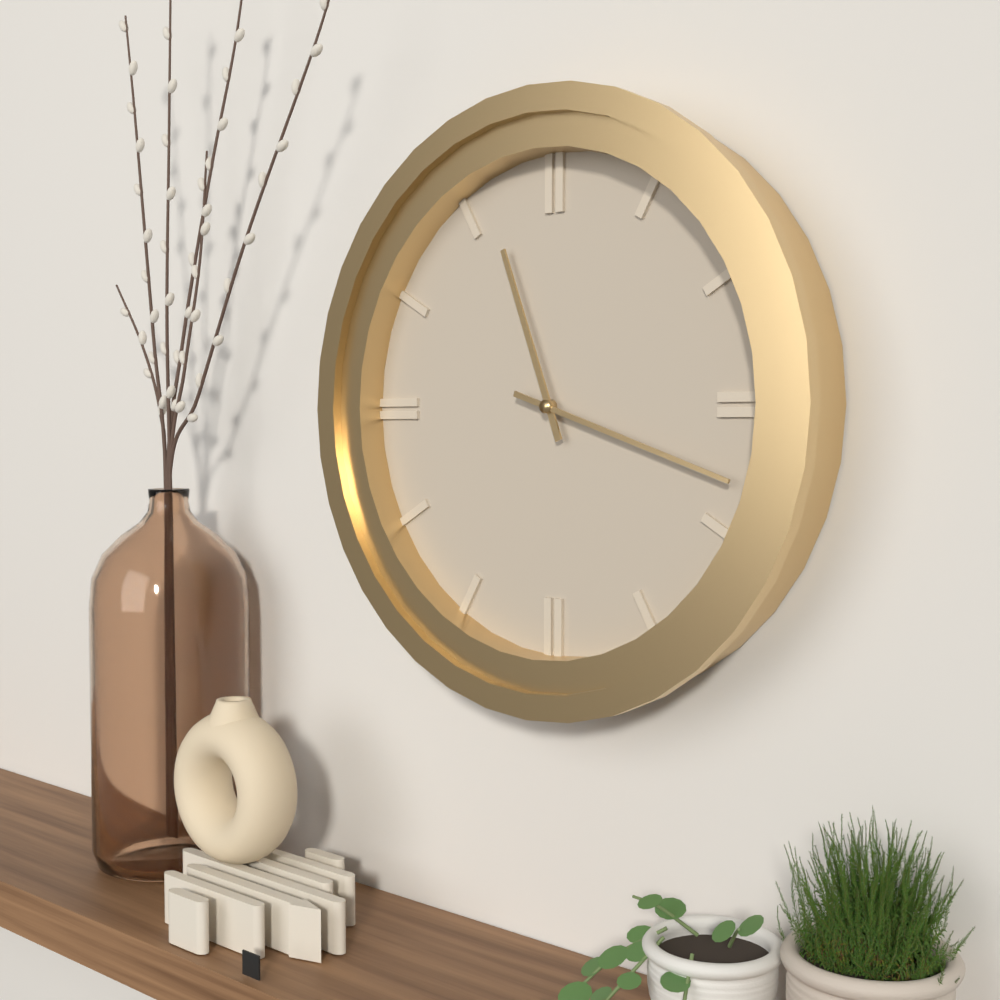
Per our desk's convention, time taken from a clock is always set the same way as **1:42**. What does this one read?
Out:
**11:18**
